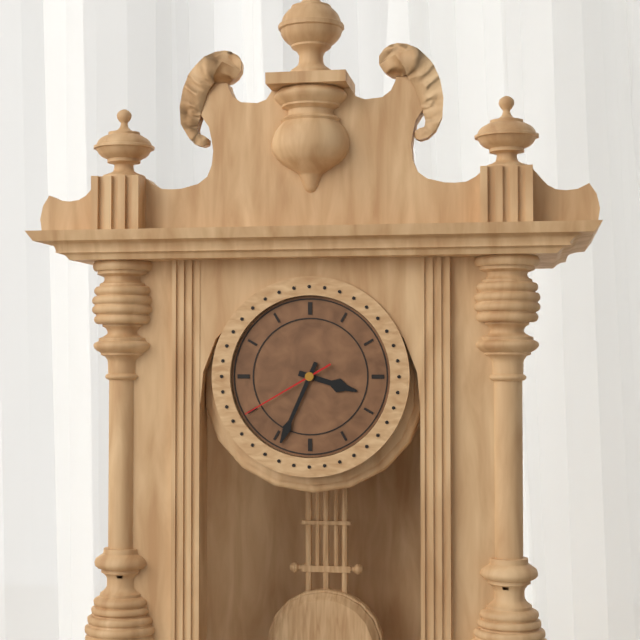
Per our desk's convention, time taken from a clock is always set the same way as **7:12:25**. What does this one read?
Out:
**3:34:40**
